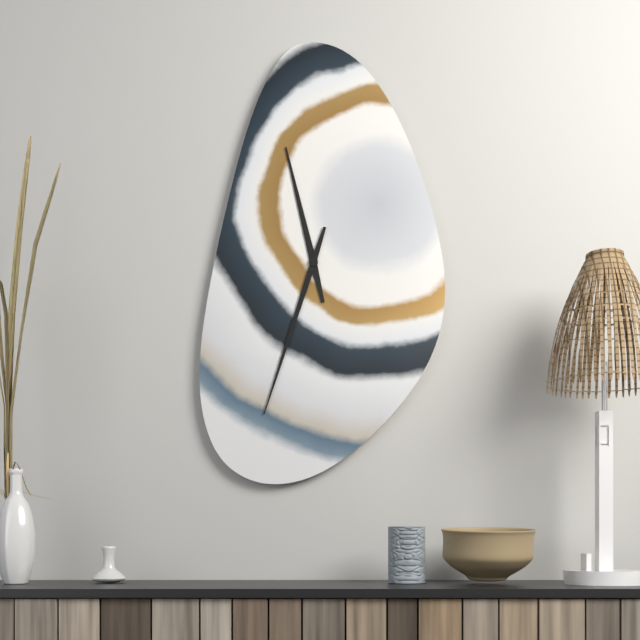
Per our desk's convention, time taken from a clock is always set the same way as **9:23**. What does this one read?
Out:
**11:33**
